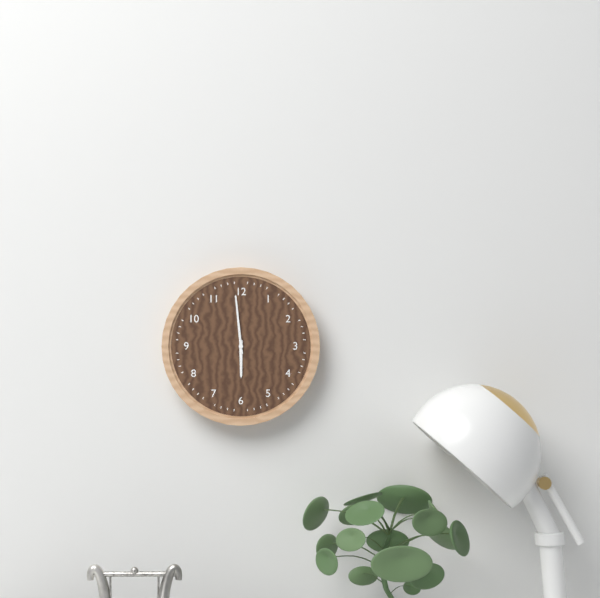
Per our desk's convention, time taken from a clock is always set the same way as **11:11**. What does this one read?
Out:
**5:59**
